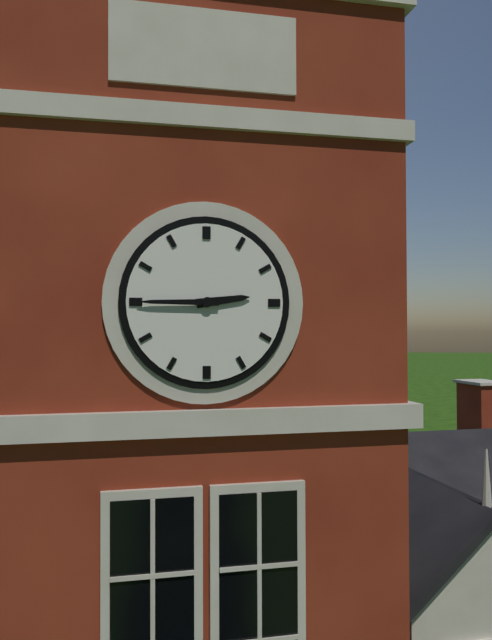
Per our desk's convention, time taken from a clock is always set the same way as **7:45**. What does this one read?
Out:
**2:45**
